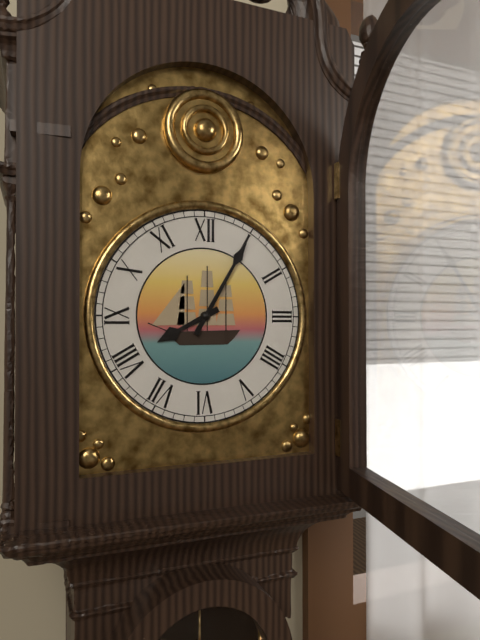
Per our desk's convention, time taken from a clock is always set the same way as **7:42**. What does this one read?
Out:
**8:05**
